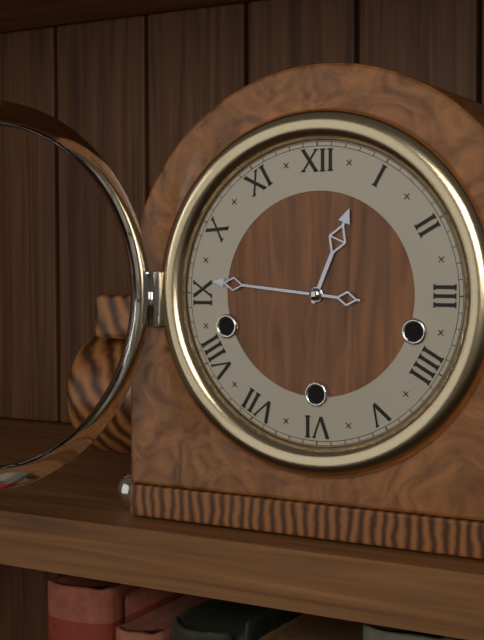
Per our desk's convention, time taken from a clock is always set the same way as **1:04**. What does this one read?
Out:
**12:46**
